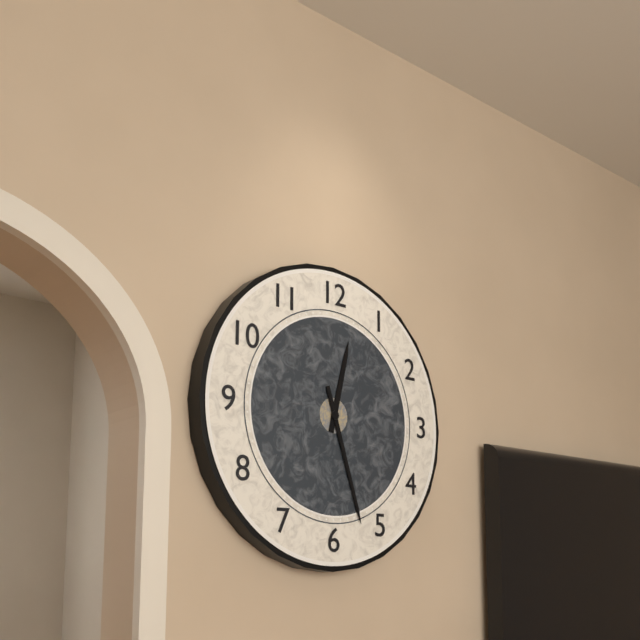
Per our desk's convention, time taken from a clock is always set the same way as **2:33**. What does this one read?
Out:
**12:27**
